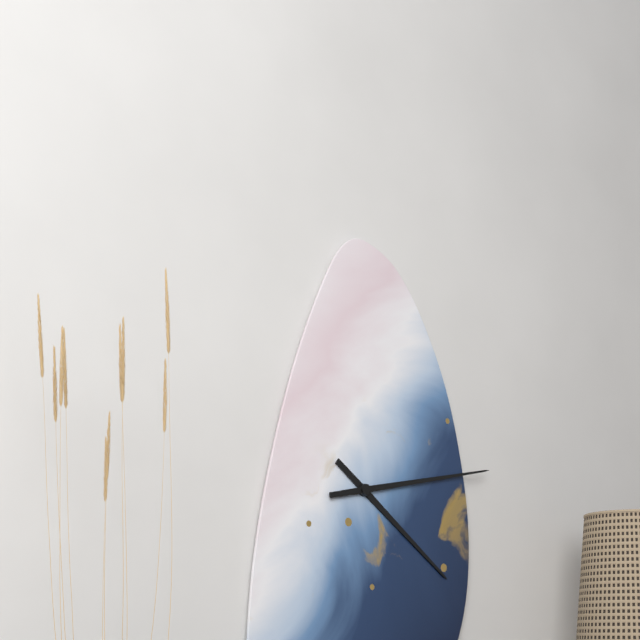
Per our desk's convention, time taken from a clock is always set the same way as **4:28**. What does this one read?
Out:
**4:13**
